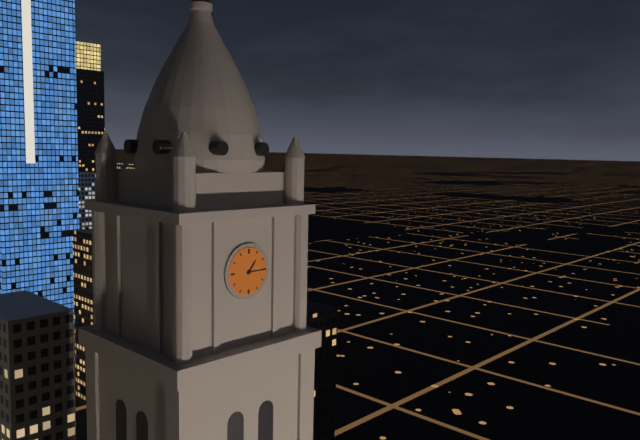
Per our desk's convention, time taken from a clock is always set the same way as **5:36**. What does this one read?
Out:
**1:15**
